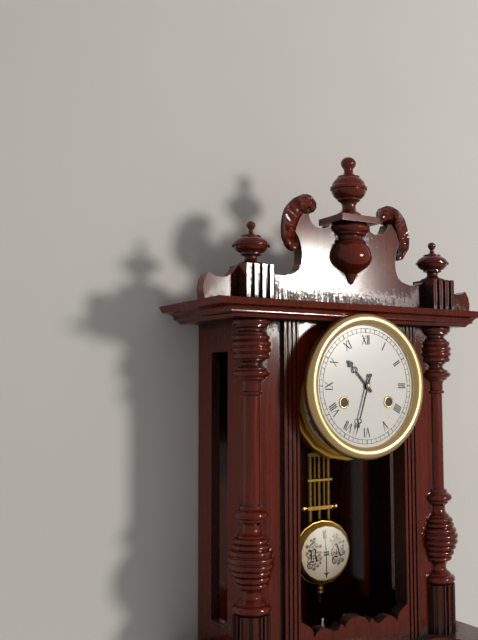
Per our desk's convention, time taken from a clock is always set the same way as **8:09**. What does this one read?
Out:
**10:33**
